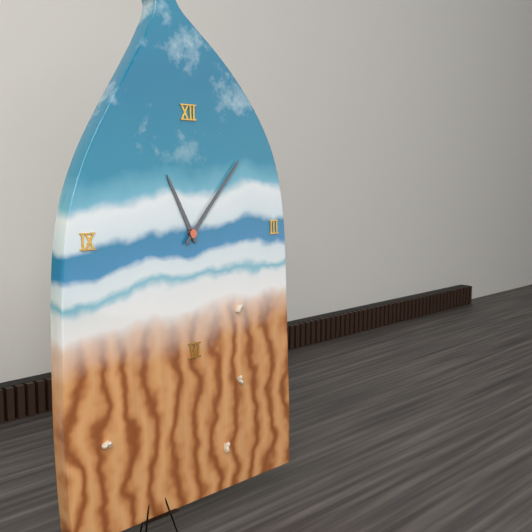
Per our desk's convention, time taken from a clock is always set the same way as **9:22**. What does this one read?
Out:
**11:07**
